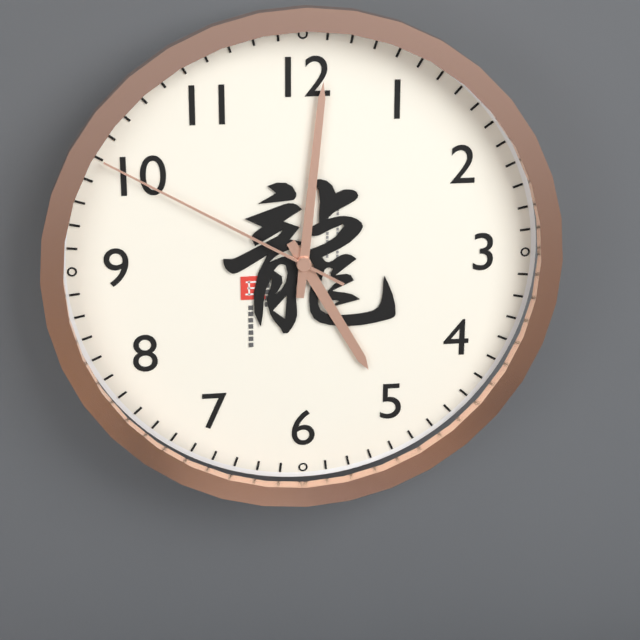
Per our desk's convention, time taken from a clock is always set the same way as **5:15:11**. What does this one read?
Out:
**5:01:50**
